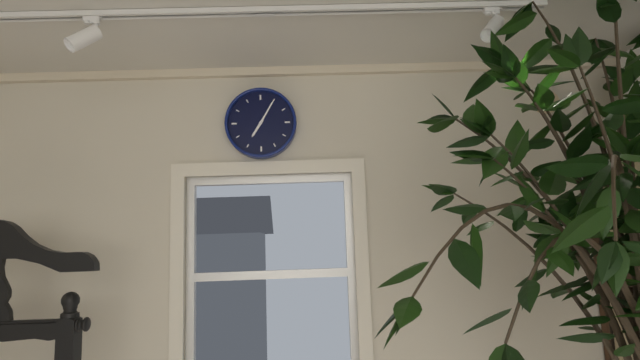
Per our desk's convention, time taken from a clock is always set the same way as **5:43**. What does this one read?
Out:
**7:05**
